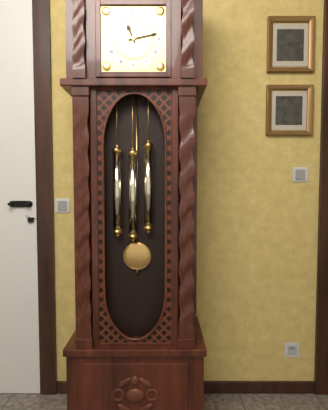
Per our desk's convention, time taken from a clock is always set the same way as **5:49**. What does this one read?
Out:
**11:13**
